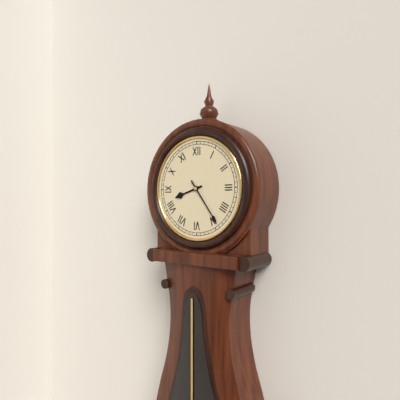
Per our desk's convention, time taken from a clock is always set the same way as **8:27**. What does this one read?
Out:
**8:24**
